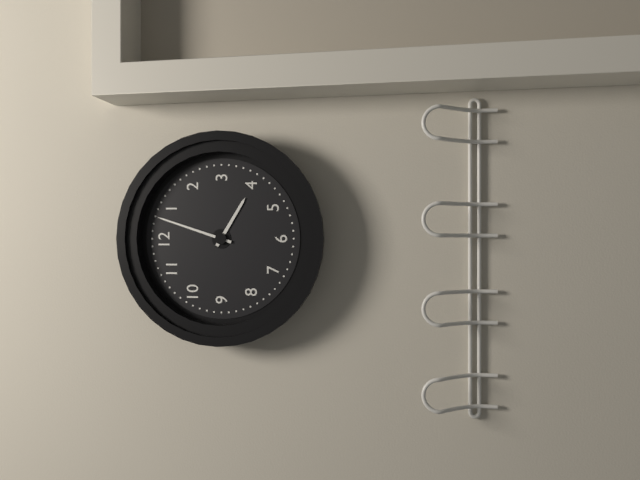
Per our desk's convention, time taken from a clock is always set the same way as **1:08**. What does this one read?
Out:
**4:03**
